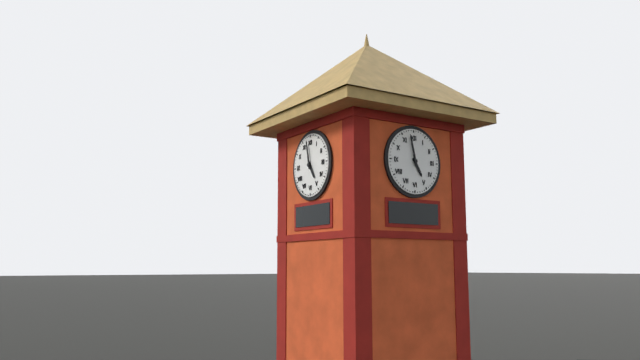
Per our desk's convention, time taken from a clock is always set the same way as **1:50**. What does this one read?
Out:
**4:58**
